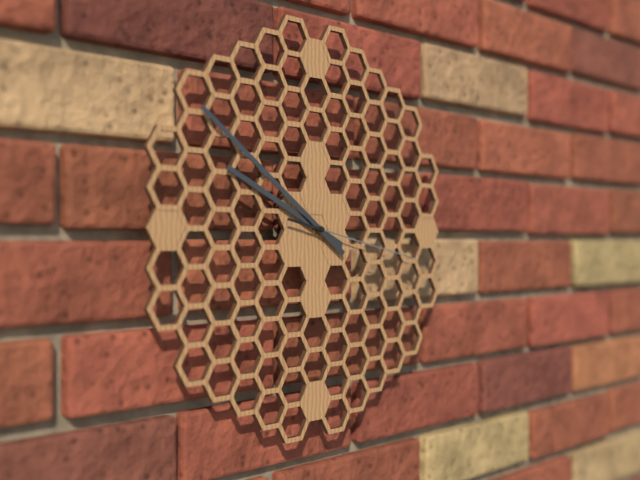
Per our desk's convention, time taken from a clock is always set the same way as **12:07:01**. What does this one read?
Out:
**9:51:17**
